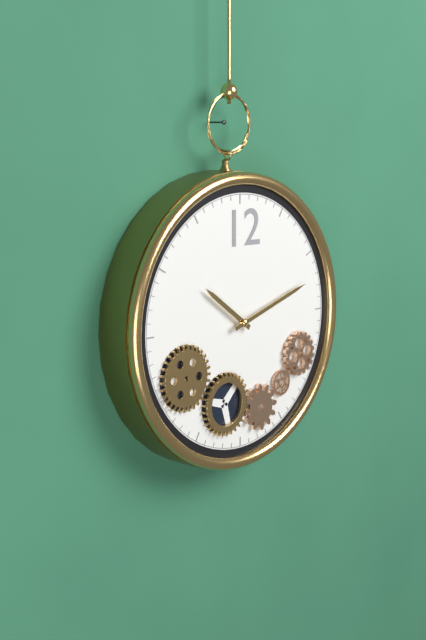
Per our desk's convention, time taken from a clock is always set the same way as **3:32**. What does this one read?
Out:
**10:12**
